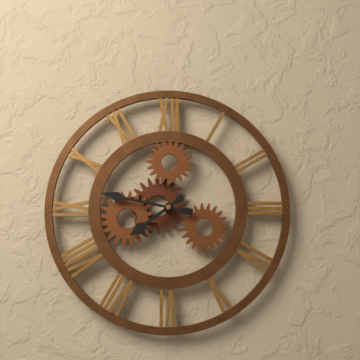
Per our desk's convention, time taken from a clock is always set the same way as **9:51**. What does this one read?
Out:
**7:47**
